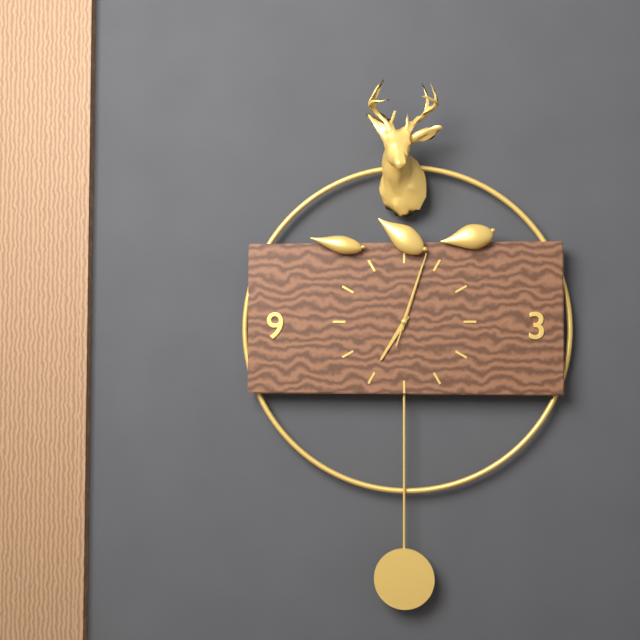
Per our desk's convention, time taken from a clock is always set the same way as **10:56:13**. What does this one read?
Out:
**7:03:03**
